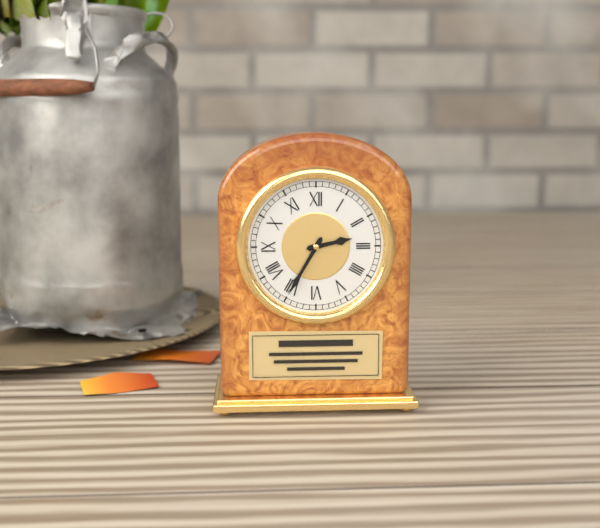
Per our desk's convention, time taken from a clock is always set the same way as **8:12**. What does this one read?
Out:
**2:35**
